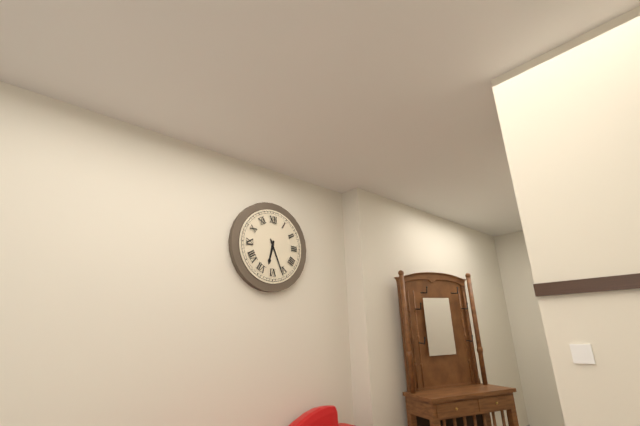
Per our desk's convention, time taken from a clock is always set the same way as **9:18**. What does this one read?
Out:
**6:26**
